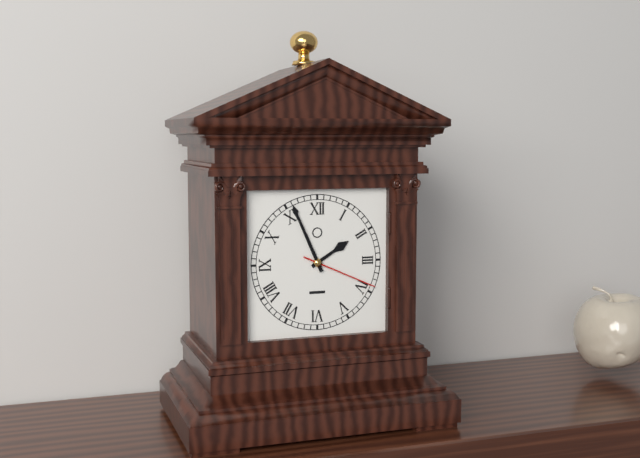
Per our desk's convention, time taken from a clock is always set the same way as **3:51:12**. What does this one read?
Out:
**1:56:19**
